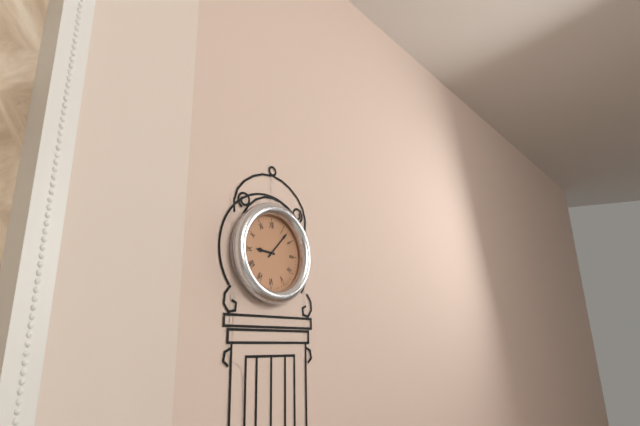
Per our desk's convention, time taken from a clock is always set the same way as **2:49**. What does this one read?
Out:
**9:07**
